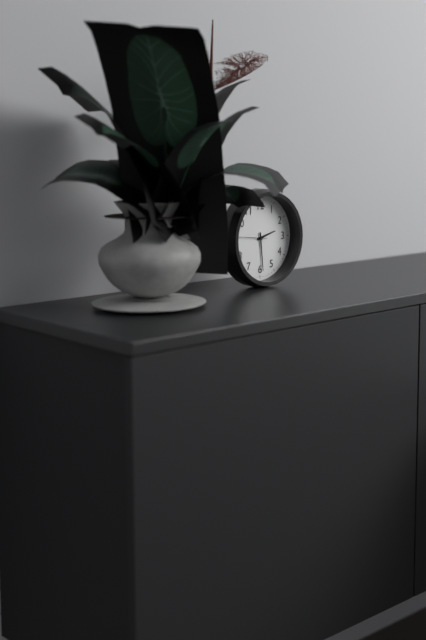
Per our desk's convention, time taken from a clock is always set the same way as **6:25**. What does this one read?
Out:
**2:29**
